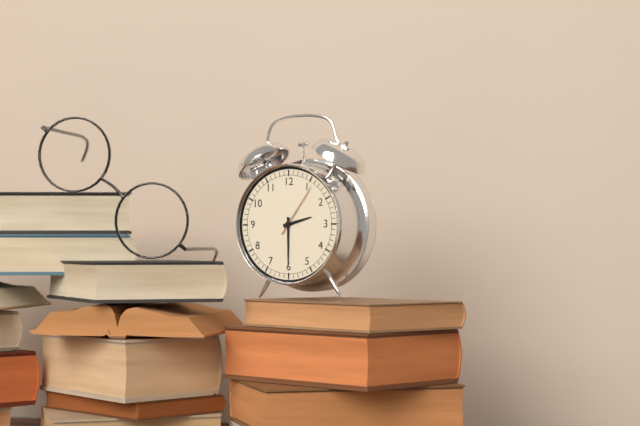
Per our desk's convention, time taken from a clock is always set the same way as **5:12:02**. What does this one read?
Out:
**2:30:06**
